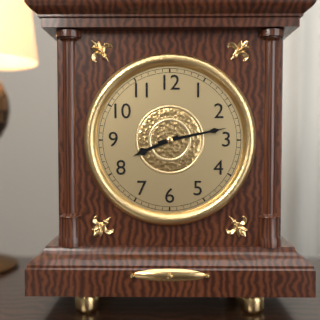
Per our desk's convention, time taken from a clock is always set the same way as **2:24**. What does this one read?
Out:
**8:13**
